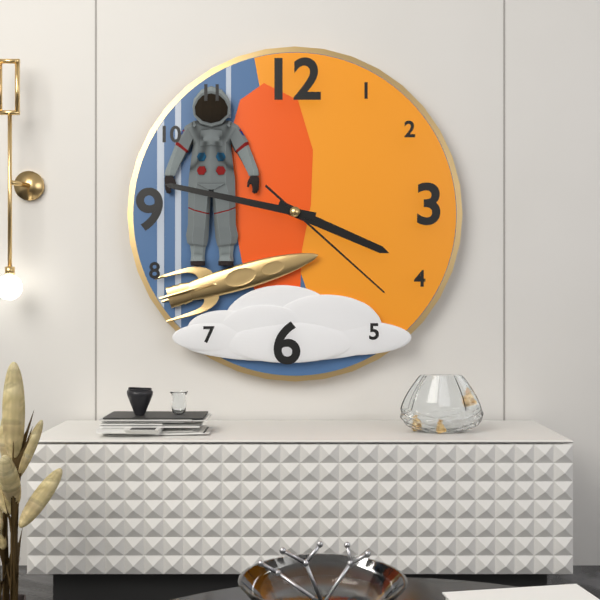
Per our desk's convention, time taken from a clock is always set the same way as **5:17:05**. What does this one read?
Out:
**3:47:22**
